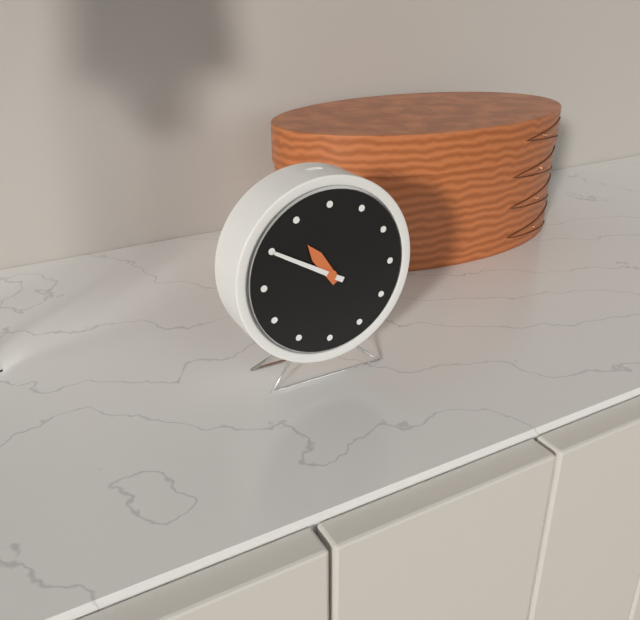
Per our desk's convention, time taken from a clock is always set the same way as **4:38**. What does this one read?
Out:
**10:50**
